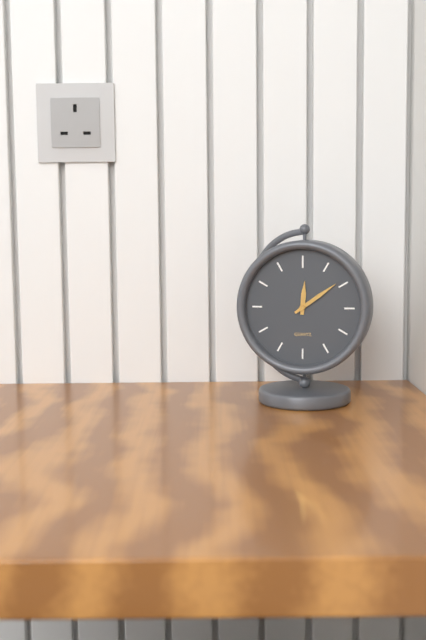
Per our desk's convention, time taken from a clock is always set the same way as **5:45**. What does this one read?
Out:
**12:09**
